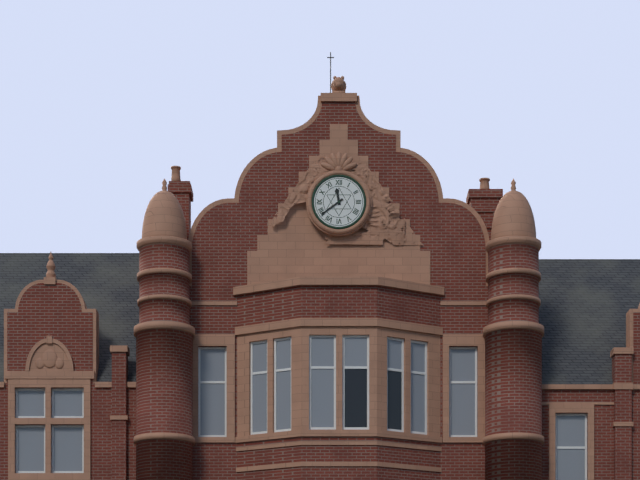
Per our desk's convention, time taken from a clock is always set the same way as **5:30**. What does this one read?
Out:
**11:39**
